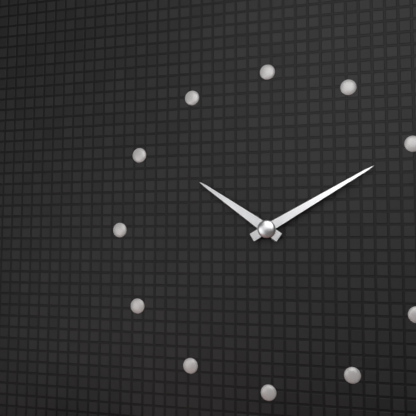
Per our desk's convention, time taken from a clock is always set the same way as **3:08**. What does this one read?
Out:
**10:10**
